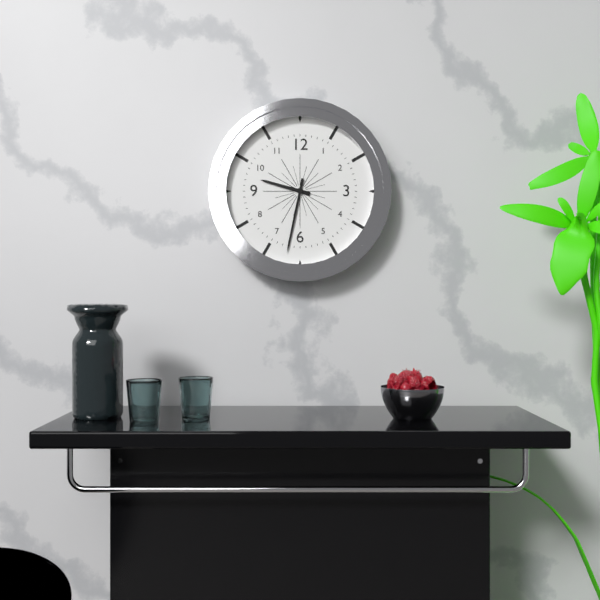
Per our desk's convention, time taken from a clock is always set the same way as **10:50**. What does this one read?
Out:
**9:32**
